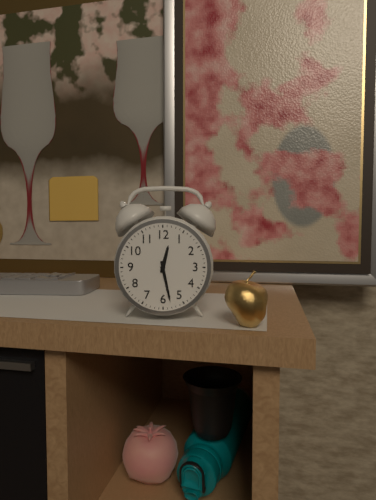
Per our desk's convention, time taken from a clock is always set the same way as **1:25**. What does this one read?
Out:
**12:28**
